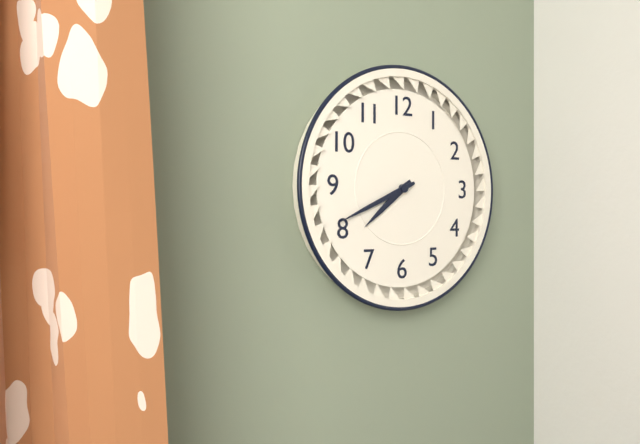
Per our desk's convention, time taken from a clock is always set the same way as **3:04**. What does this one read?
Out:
**7:41**
